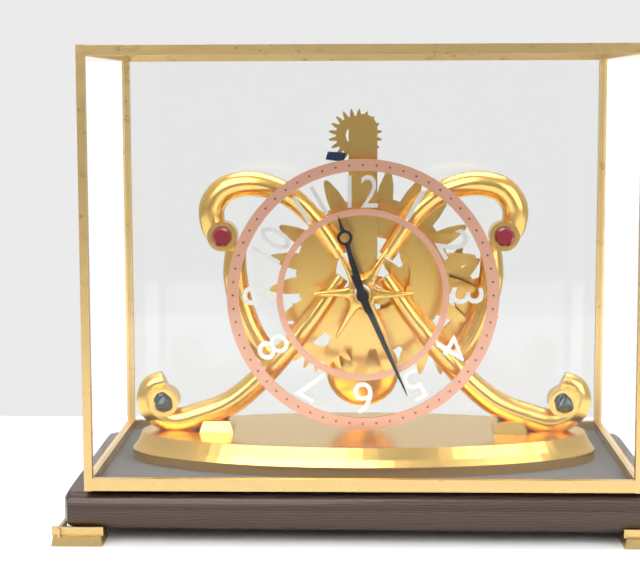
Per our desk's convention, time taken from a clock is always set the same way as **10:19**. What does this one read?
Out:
**11:26**
